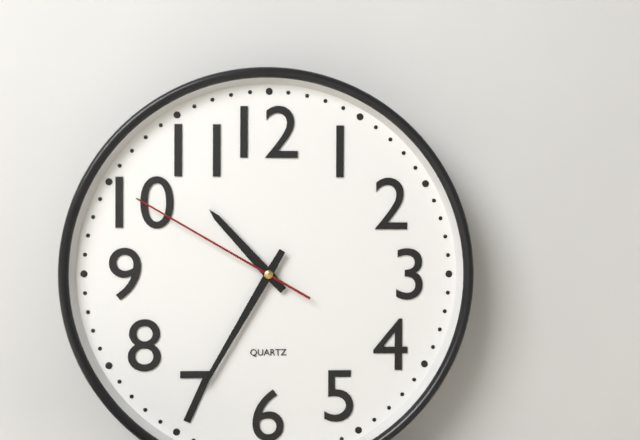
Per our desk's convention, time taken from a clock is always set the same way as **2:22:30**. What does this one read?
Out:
**10:35:50**
